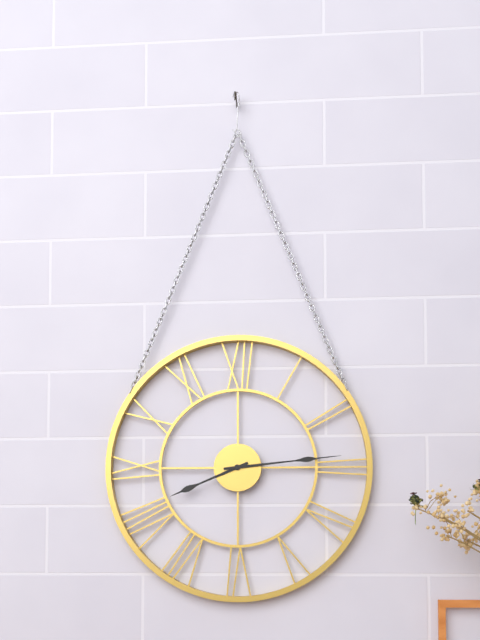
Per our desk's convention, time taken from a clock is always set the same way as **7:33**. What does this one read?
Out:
**8:14**
